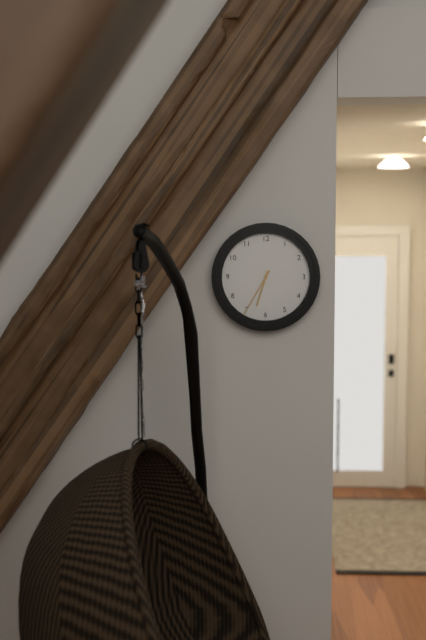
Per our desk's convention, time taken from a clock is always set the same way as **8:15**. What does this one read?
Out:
**6:35**
